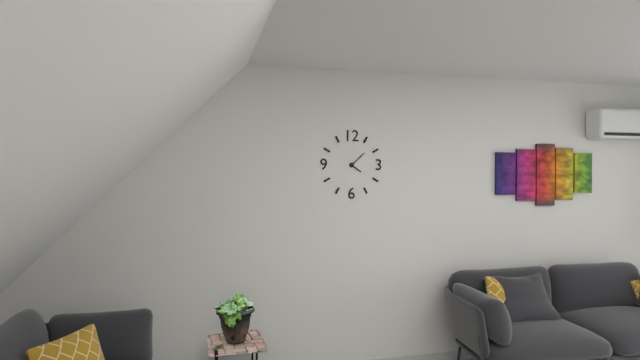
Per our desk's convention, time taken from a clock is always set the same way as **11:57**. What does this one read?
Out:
**4:08**
